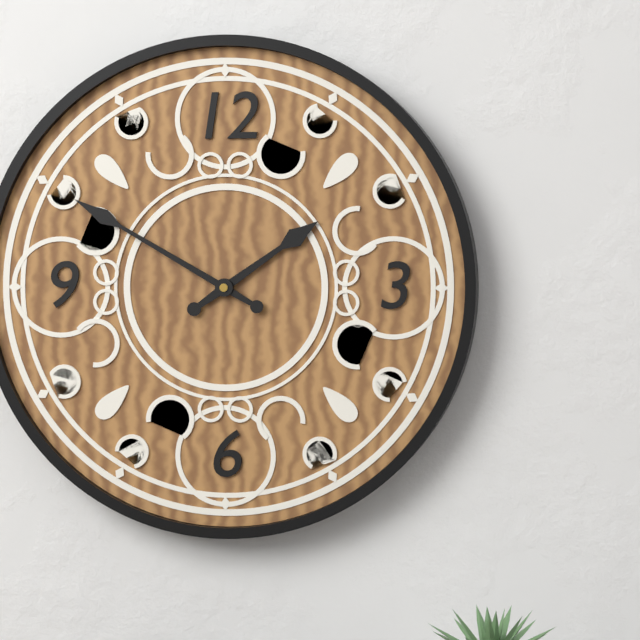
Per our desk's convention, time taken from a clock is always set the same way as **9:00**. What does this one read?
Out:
**1:50**
